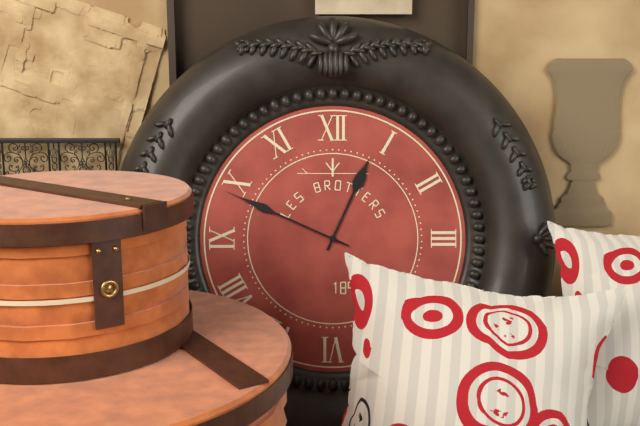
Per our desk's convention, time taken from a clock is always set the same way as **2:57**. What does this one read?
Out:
**12:49**
